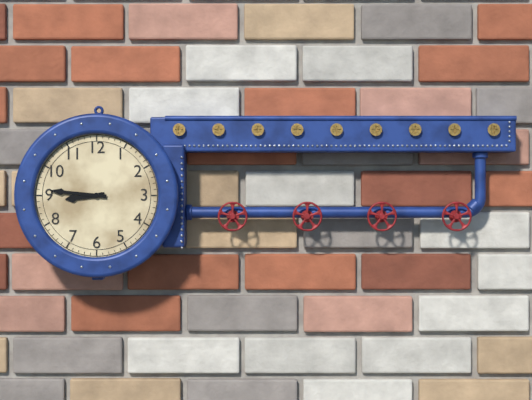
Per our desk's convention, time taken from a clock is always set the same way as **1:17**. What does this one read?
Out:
**8:46**
